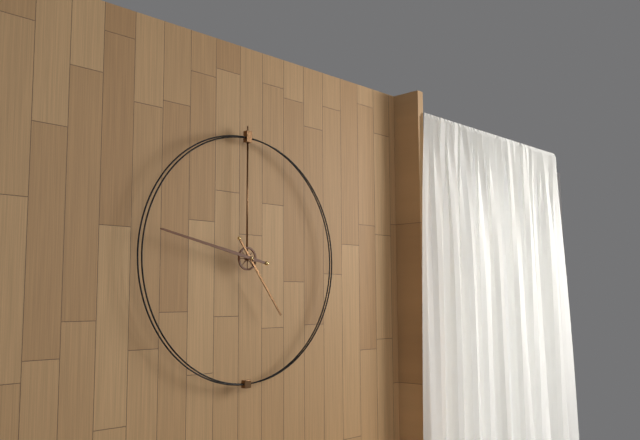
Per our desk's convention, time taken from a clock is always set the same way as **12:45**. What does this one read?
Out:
**4:47**
